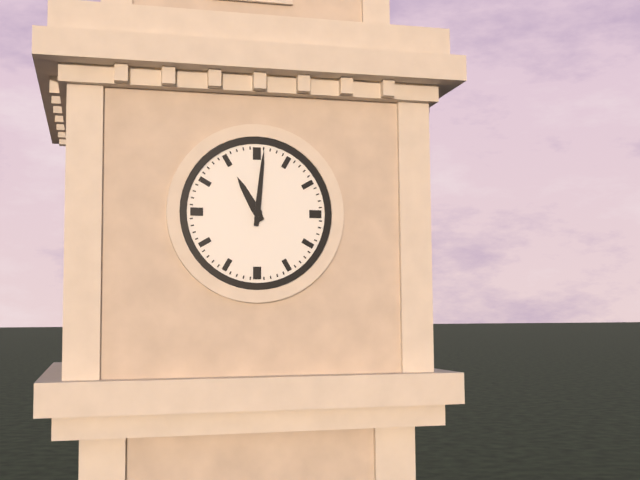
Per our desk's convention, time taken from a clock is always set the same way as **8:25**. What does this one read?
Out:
**11:01**
